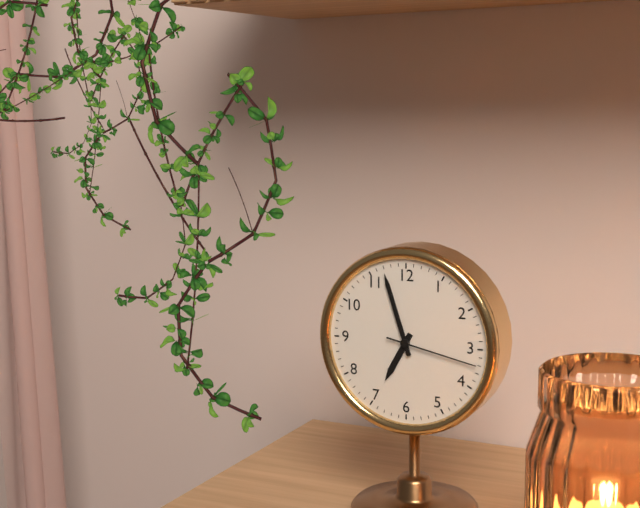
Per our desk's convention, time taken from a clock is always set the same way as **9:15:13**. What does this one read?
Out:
**6:57:17**
